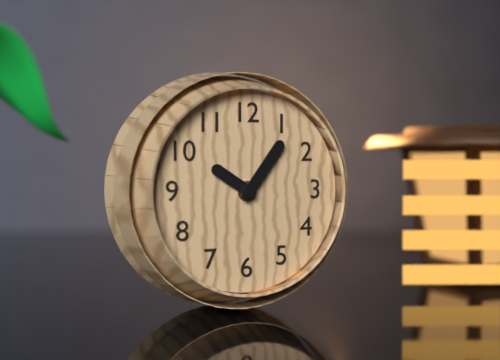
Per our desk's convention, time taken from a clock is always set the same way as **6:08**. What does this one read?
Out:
**10:06**
